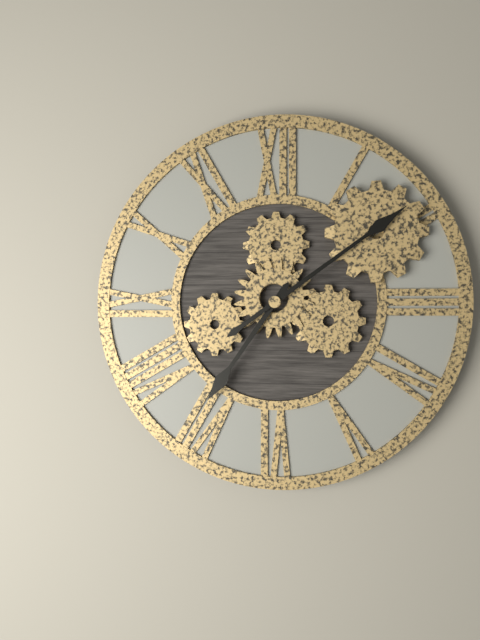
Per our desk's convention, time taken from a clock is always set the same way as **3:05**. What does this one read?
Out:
**7:09**
